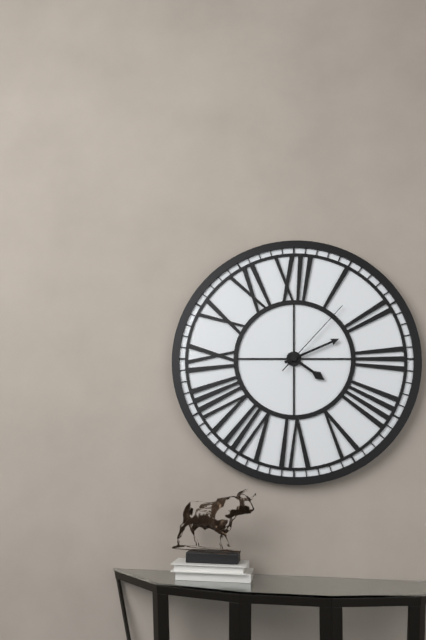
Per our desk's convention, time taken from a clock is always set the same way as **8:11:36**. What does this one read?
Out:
**4:11:07**
